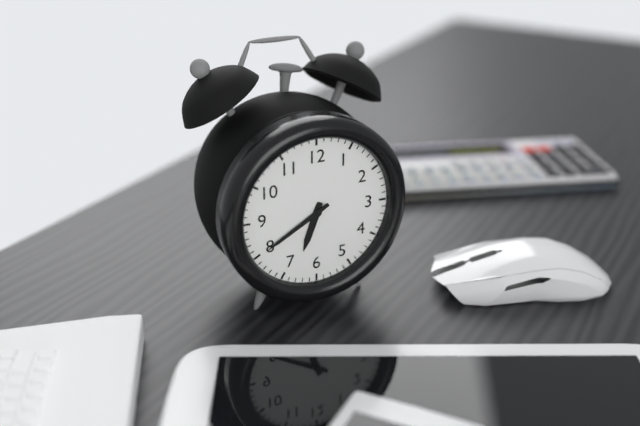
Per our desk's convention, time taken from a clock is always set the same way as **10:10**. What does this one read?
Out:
**6:40**
